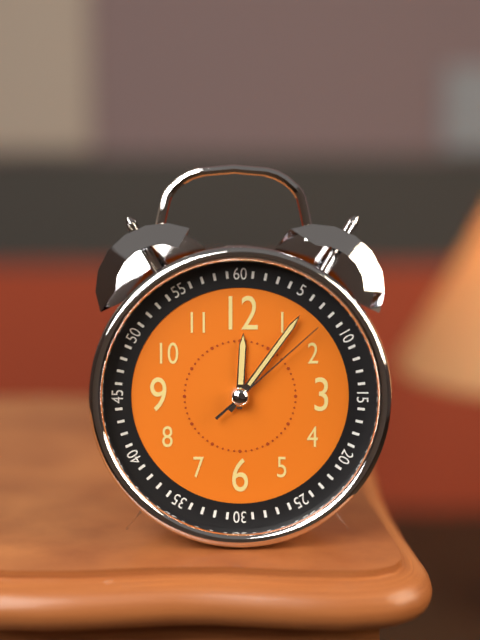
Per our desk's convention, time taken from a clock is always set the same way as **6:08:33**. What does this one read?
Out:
**12:06:08**
